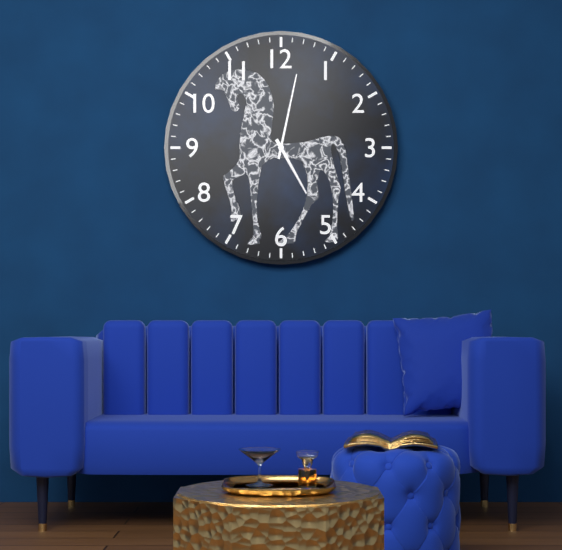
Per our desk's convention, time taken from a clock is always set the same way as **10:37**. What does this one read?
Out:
**5:02**
